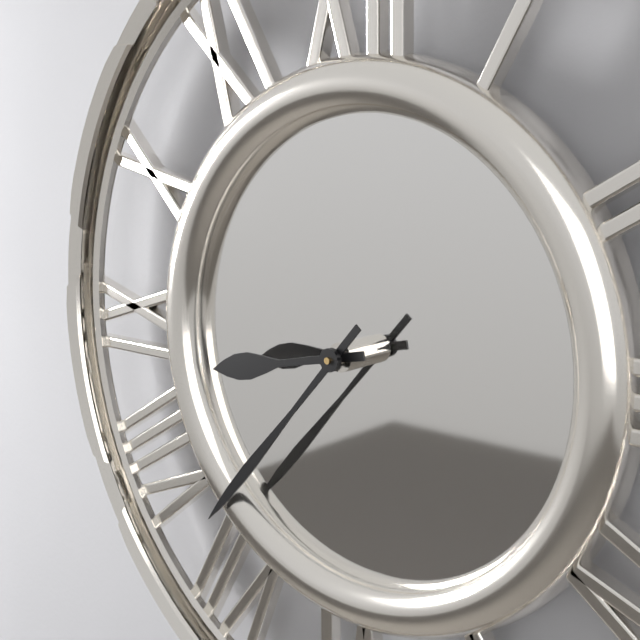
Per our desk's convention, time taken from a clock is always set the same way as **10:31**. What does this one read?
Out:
**8:37**
